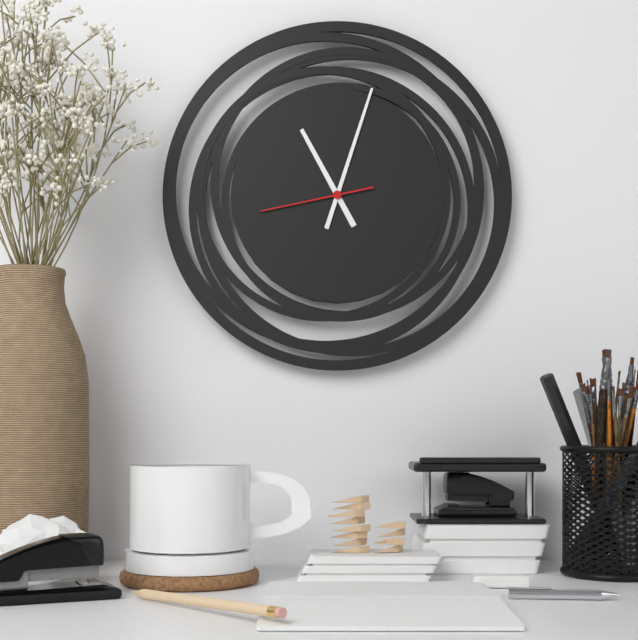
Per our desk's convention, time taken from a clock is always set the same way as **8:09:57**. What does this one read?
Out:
**11:03:43**
